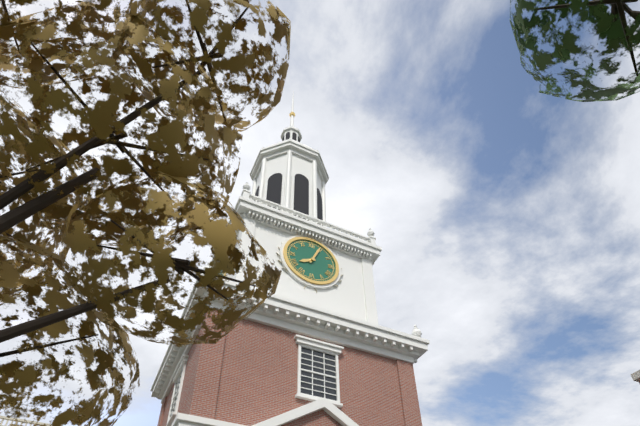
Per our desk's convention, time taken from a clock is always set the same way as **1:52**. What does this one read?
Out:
**8:04**
